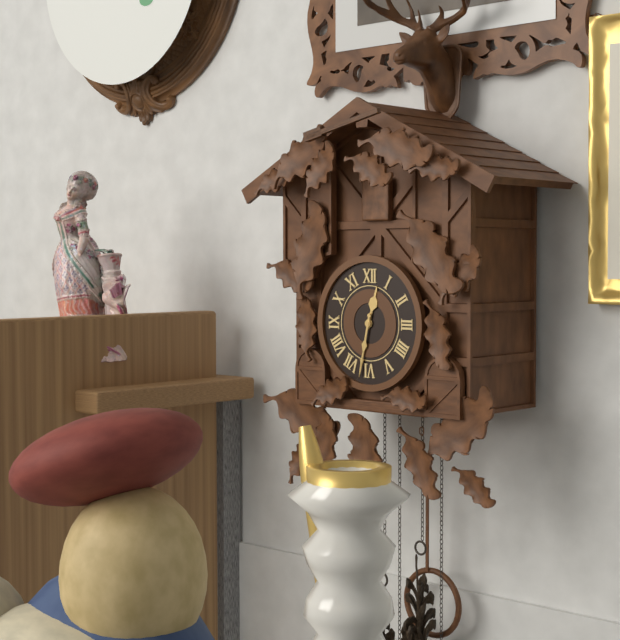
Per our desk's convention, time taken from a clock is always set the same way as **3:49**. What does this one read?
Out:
**12:32**
